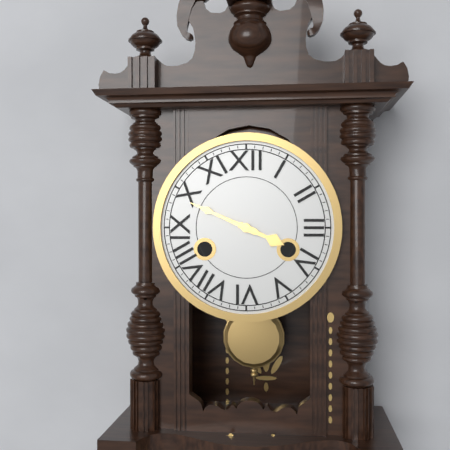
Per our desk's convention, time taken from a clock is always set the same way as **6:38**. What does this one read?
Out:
**3:49**
